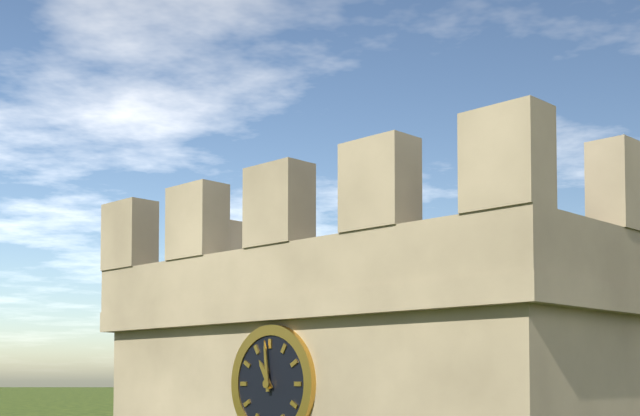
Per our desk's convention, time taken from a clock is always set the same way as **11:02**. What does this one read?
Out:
**10:59**
